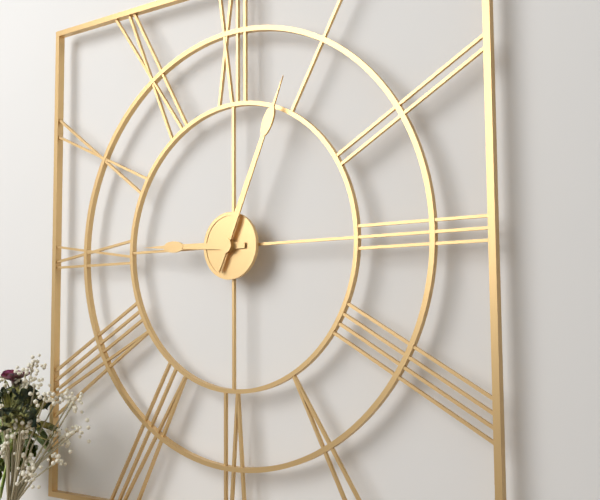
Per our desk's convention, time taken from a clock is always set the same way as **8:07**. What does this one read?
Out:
**9:04**
